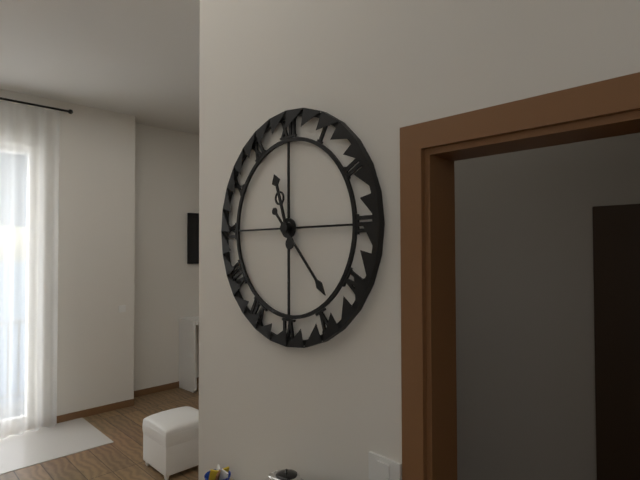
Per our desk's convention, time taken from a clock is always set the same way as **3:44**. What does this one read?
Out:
**11:23**
